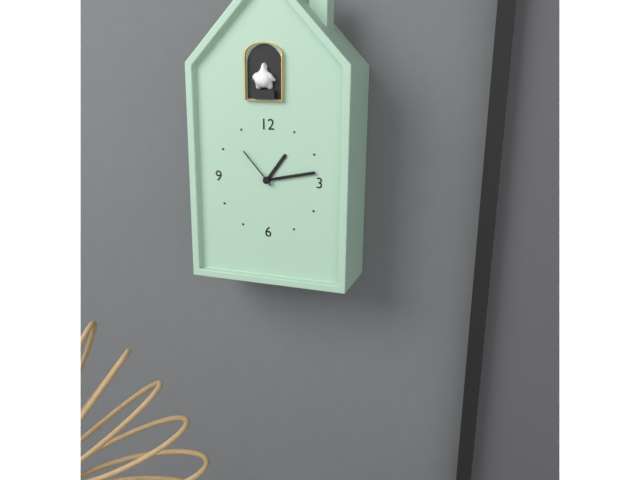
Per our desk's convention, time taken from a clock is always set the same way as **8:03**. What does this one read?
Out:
**1:13**
